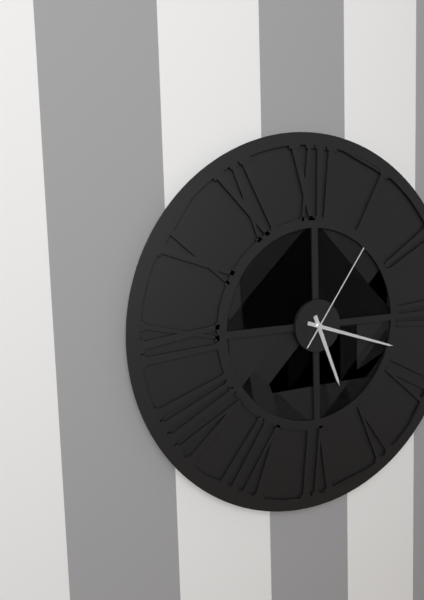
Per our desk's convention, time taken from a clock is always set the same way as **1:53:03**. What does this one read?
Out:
**5:18:06**
